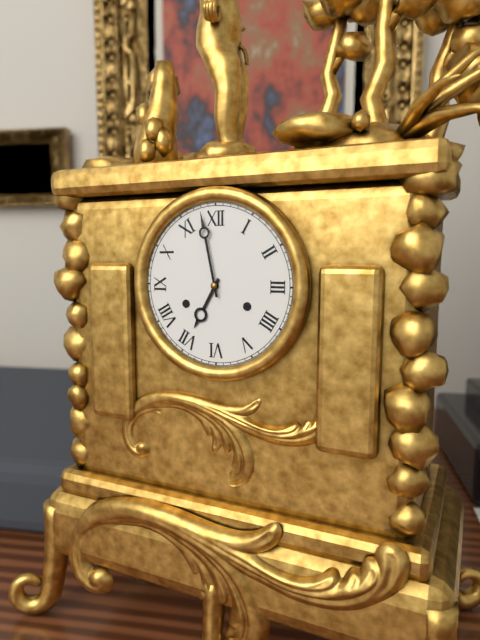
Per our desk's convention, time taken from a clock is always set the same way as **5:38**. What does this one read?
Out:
**6:58**
